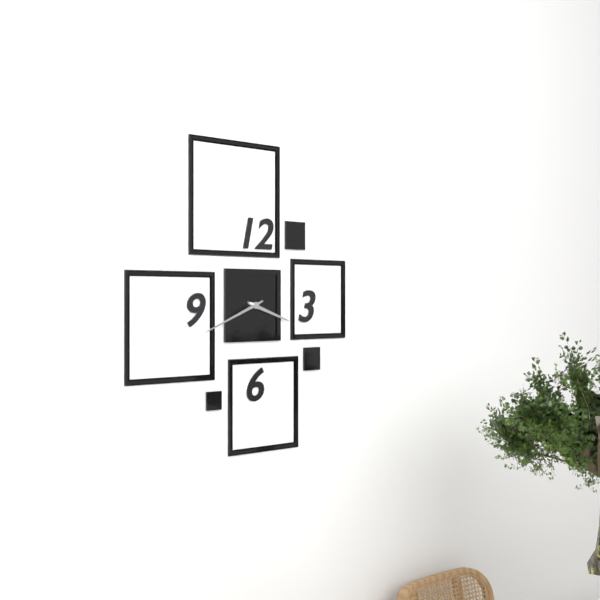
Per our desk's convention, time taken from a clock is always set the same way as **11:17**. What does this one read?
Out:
**3:41**
